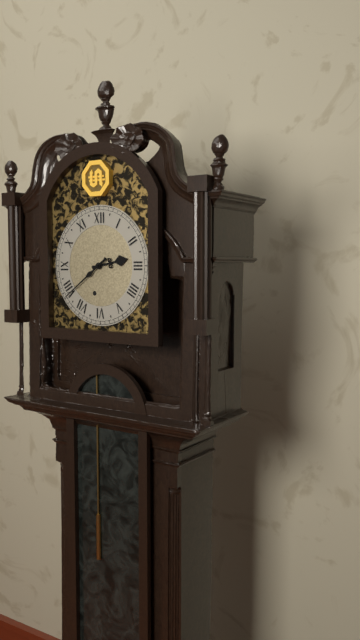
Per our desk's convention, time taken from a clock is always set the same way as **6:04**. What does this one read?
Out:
**2:39**
